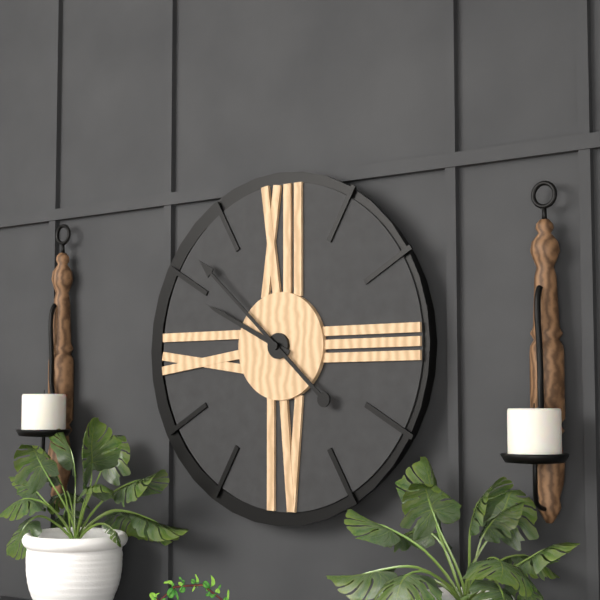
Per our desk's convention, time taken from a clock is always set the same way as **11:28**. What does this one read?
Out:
**9:52**
